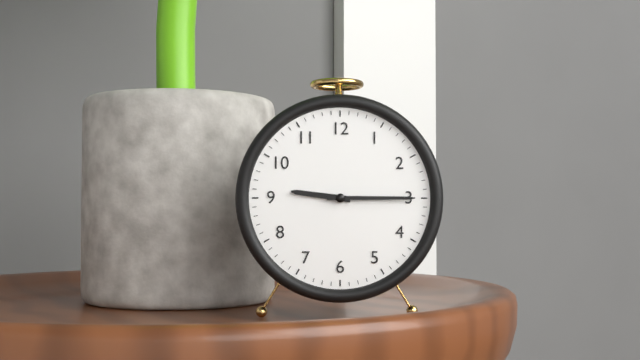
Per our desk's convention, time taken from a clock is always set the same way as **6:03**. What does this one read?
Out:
**9:15**
